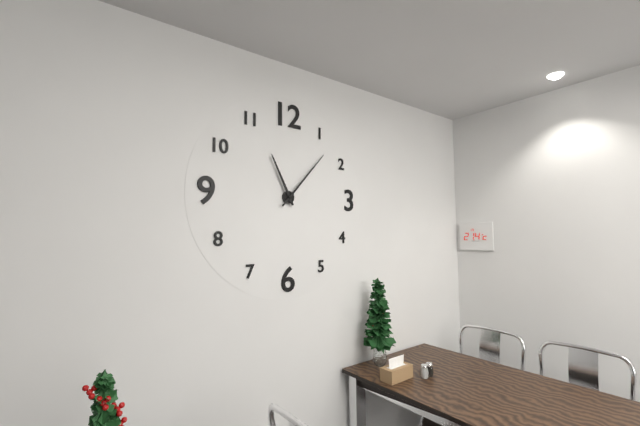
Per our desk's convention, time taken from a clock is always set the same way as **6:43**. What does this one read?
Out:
**11:07**
